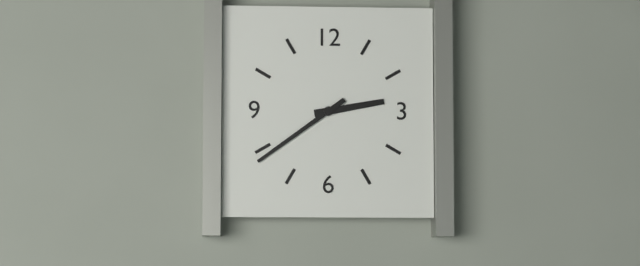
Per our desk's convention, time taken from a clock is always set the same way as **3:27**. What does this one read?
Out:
**2:39**
